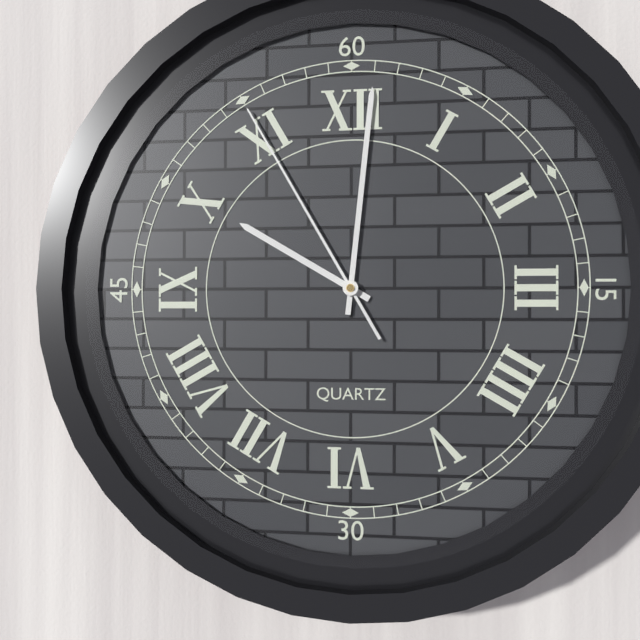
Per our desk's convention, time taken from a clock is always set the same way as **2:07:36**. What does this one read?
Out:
**10:01:55**
